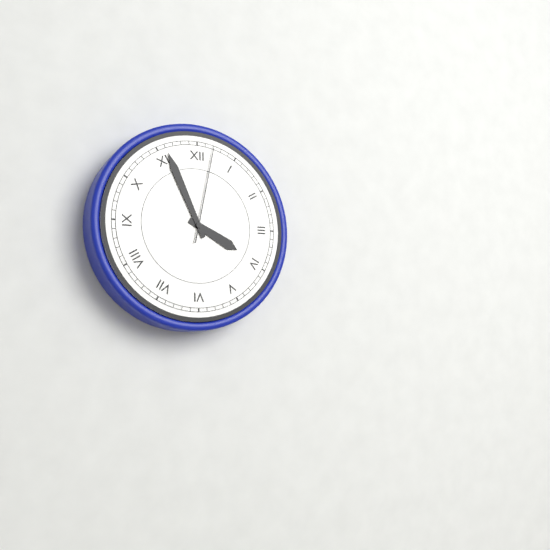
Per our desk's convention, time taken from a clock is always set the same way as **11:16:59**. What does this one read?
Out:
**3:56:02**
